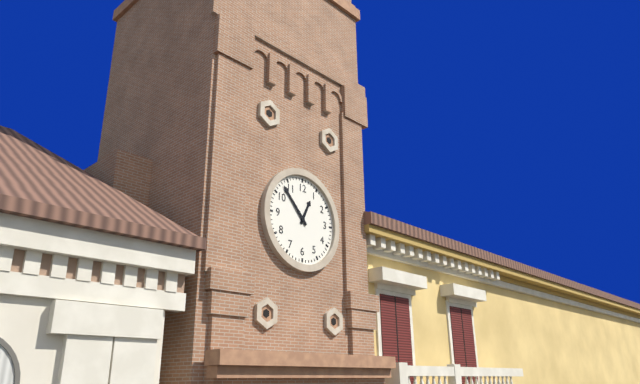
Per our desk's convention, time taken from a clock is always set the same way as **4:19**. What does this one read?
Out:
**12:53**
